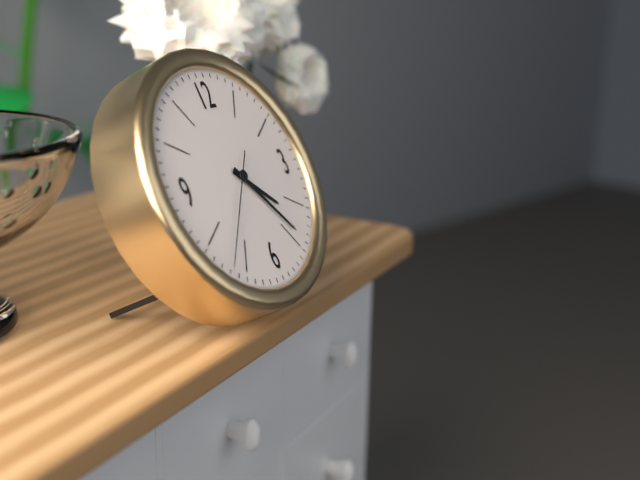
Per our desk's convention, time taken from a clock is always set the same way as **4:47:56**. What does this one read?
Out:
**4:24:37**
